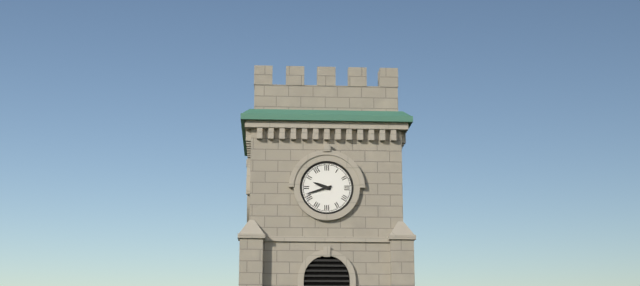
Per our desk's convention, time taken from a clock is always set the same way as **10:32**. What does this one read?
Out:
**9:42**
